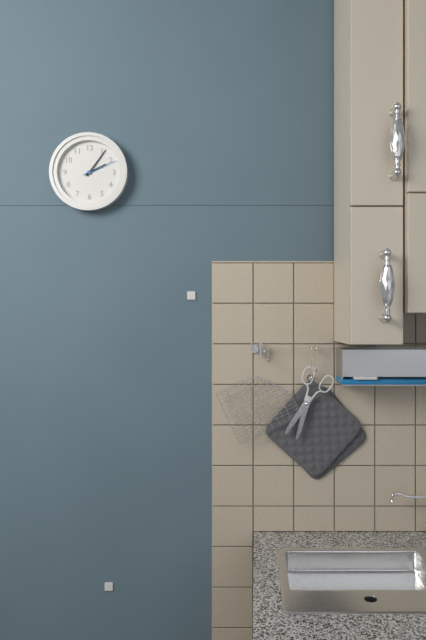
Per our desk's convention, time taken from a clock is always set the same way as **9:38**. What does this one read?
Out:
**2:06**
